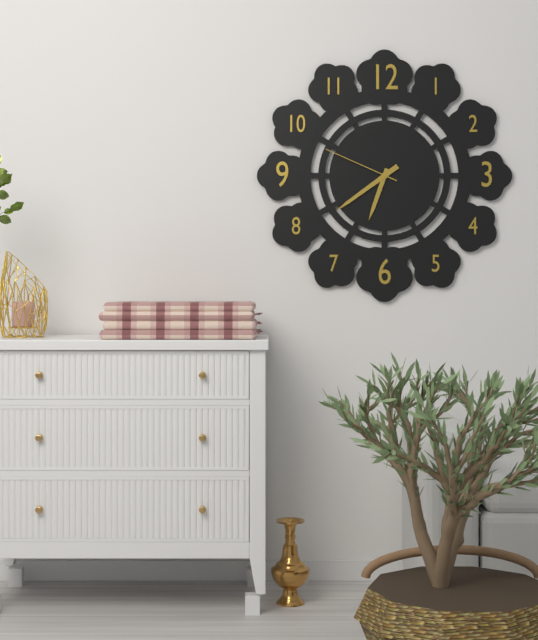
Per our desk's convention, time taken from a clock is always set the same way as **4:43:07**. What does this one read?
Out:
**6:39:49**
